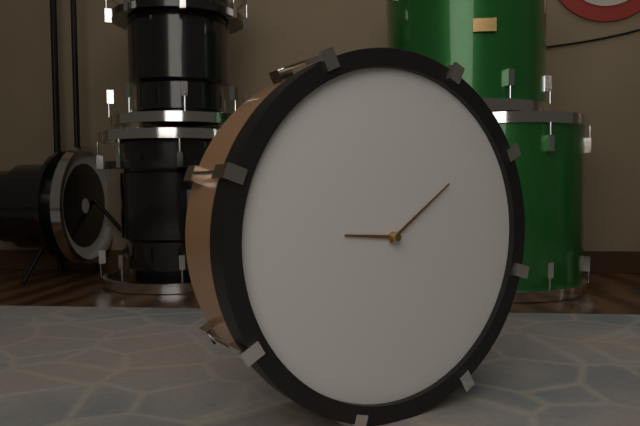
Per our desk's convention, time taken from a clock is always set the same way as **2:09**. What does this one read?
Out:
**9:09**
